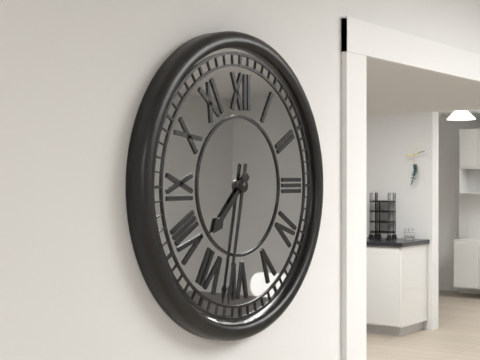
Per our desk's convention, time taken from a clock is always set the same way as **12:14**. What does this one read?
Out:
**7:32**
